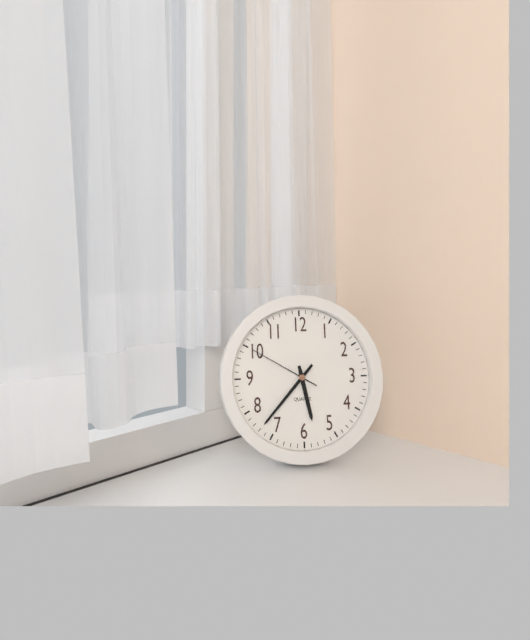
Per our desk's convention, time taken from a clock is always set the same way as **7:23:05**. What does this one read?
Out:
**5:37:50**
